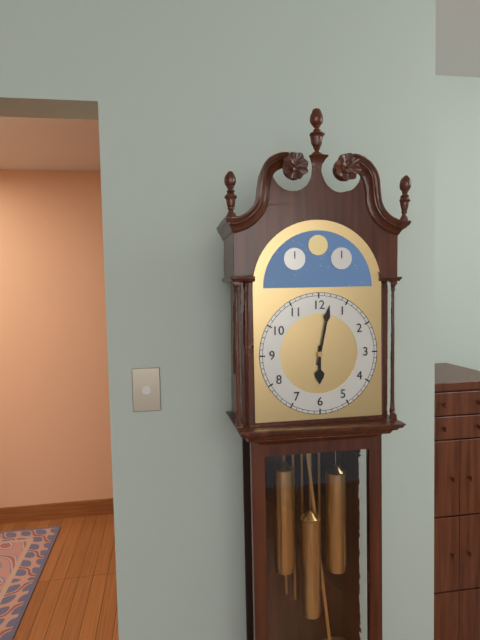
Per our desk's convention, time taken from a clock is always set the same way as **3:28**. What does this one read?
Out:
**6:02**
